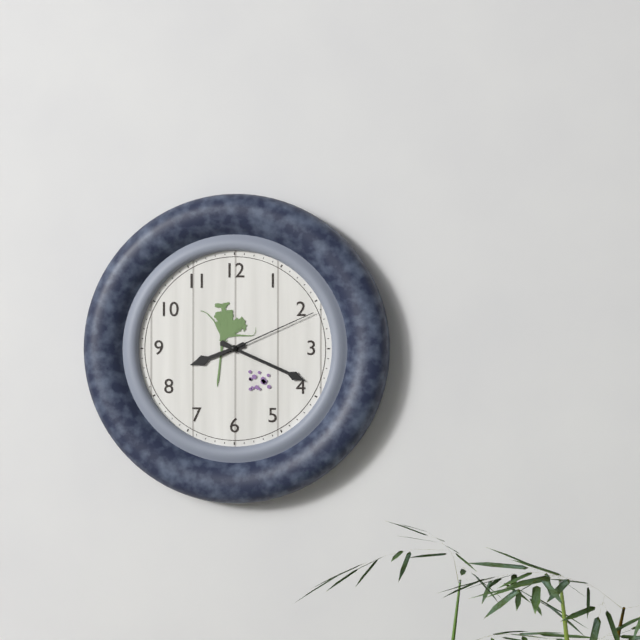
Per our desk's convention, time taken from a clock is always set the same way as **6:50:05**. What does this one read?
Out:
**8:19:11**
